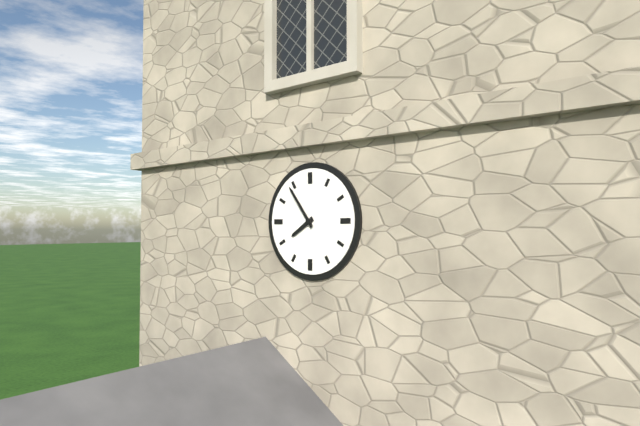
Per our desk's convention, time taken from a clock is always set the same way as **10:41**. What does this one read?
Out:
**7:54**
